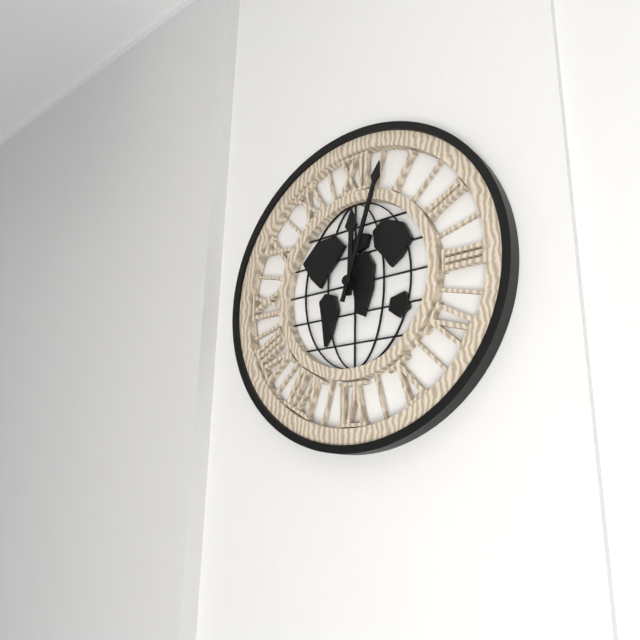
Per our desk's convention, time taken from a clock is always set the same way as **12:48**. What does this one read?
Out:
**12:03**
